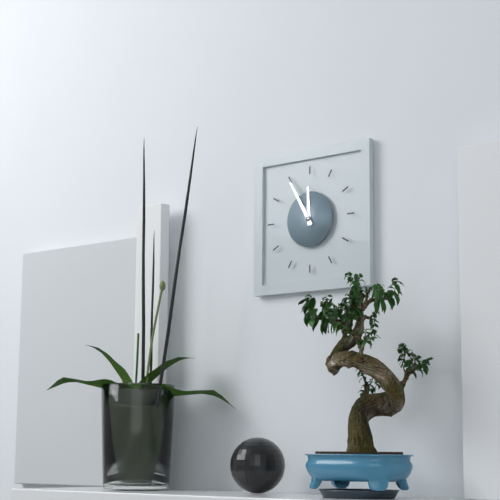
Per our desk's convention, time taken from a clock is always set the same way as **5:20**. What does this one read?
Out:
**11:55**
